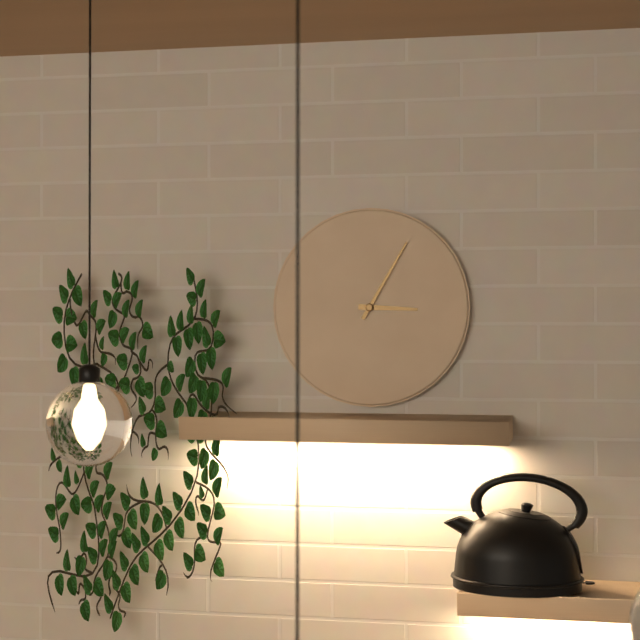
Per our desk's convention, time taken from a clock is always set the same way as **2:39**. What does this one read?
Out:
**3:05**
